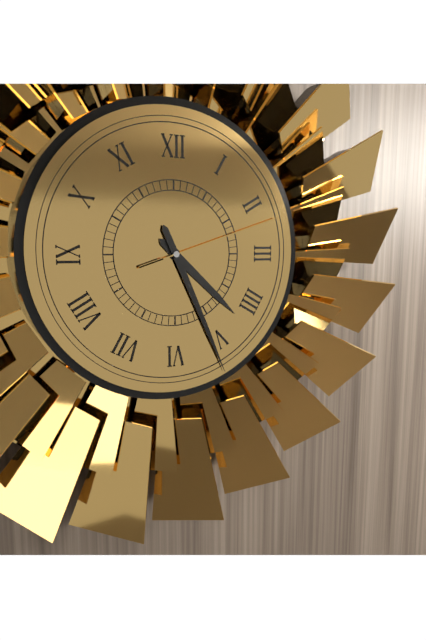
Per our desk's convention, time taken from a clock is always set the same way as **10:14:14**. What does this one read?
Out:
**4:26:12**
